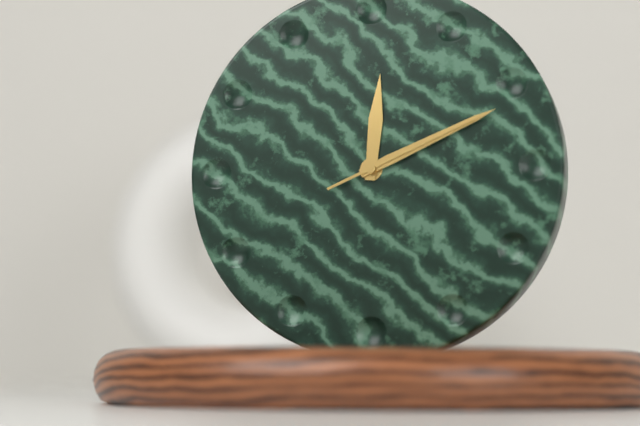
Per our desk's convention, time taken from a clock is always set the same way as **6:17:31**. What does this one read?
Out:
**12:11:11**
